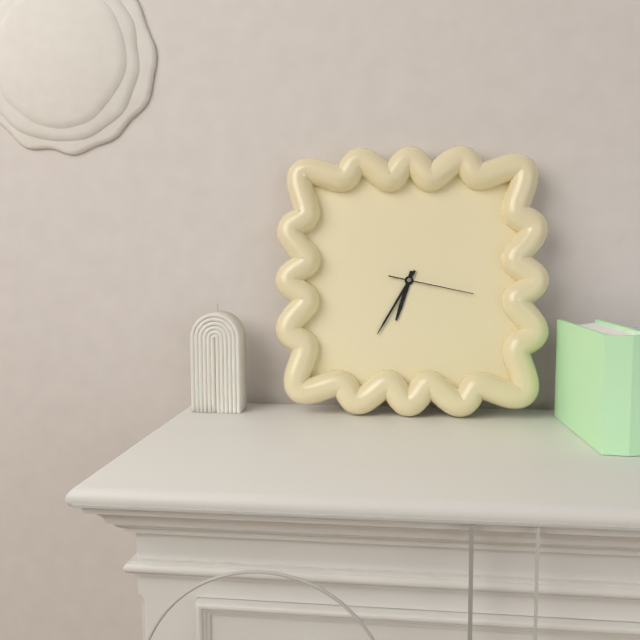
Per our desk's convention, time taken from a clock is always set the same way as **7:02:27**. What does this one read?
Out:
**6:35:17**
